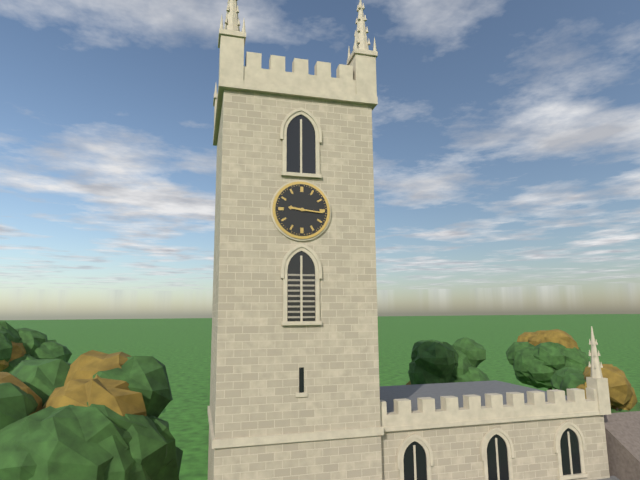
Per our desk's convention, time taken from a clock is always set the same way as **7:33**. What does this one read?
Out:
**9:16**
